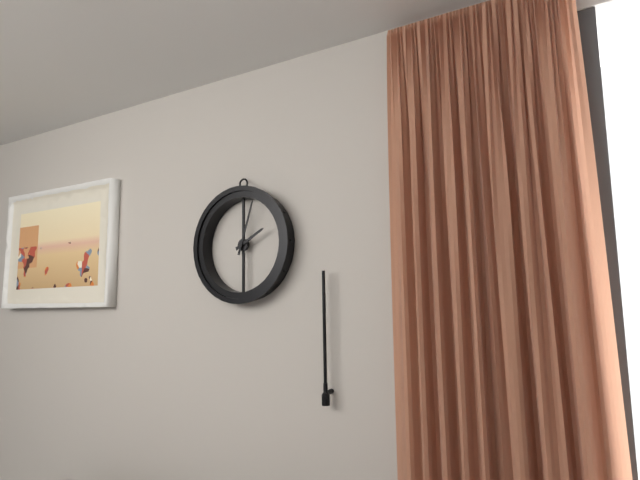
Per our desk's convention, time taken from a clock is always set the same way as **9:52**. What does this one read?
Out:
**2:03**
